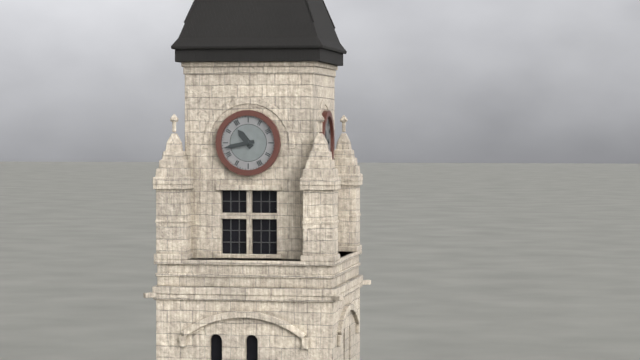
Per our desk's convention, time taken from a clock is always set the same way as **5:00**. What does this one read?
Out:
**10:43**
